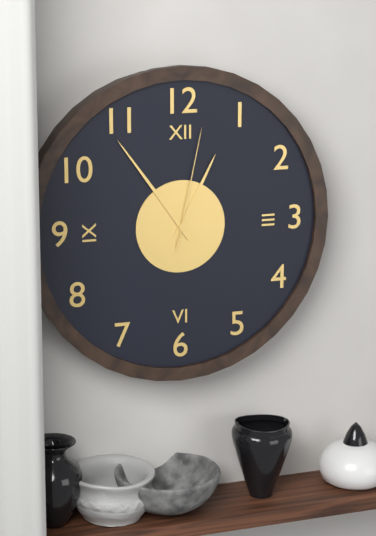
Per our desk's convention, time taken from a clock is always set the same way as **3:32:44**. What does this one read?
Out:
**12:54:02**
